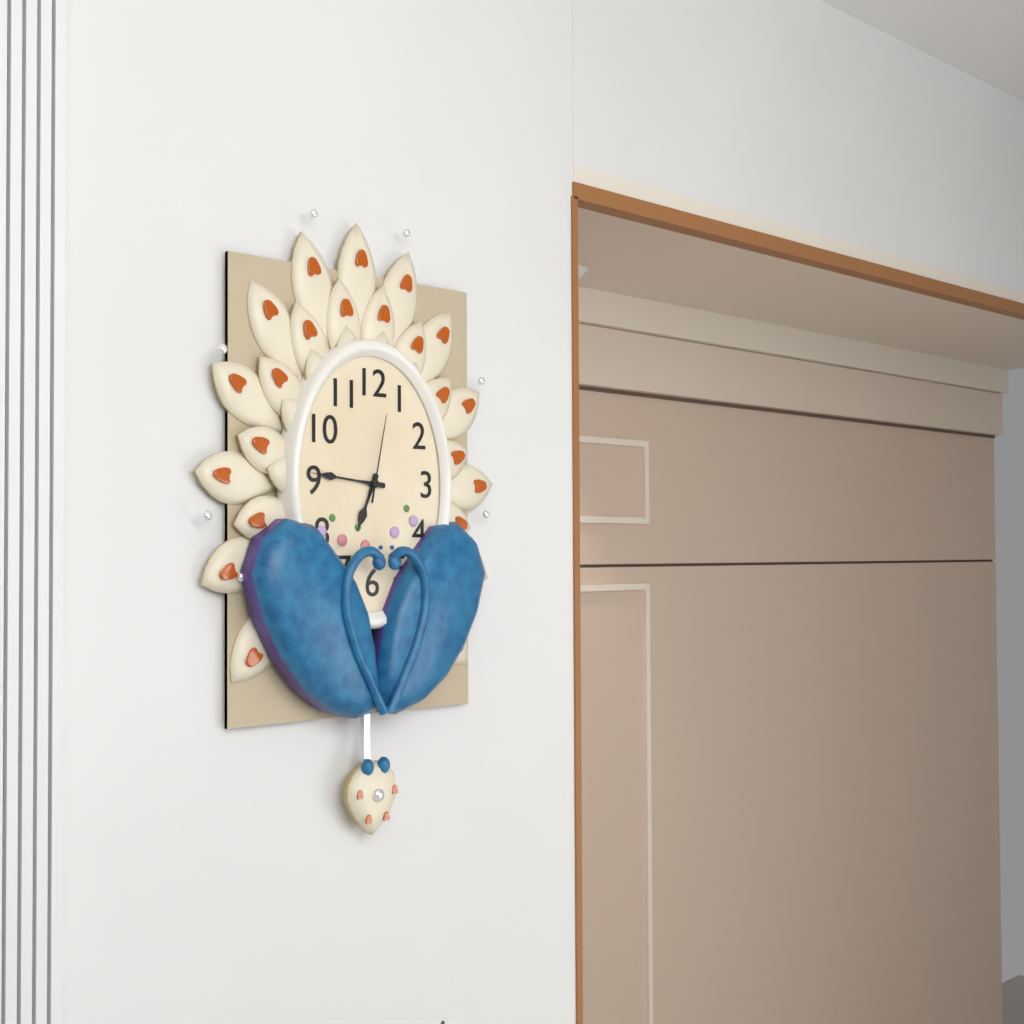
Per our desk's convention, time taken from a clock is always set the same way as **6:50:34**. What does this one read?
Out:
**6:46:02**
